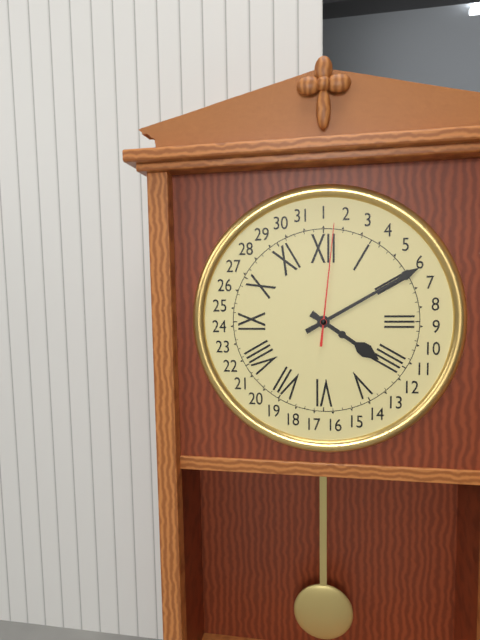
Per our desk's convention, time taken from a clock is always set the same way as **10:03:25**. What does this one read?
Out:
**4:10:01**
